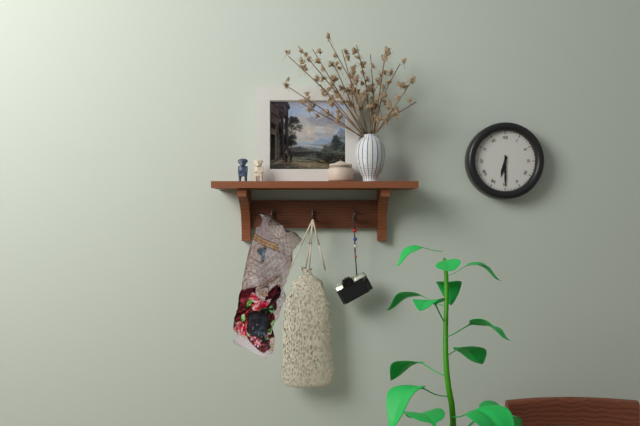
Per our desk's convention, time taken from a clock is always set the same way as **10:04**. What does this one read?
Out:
**6:30**
